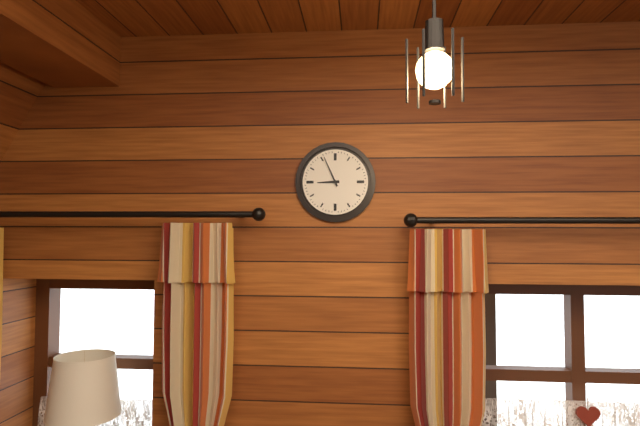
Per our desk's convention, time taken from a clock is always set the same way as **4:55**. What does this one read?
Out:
**8:56**
